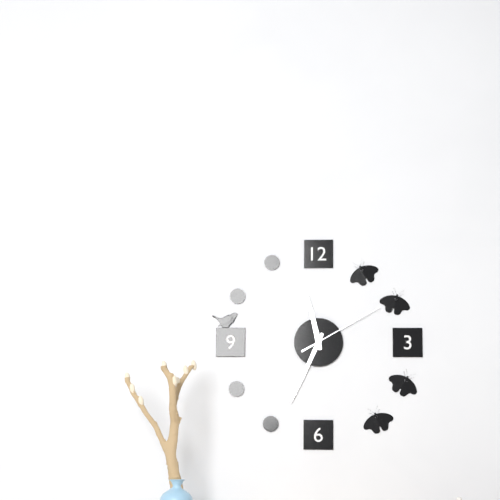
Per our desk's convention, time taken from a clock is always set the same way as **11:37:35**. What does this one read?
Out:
**11:34:10**
